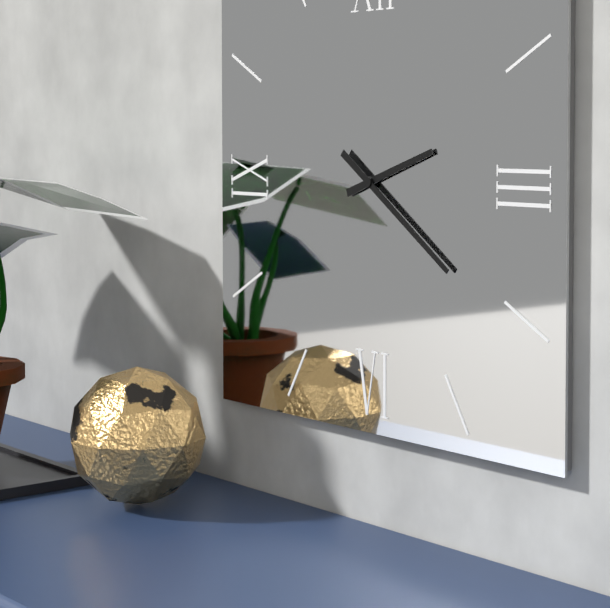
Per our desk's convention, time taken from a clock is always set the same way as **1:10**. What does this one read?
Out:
**2:21**
